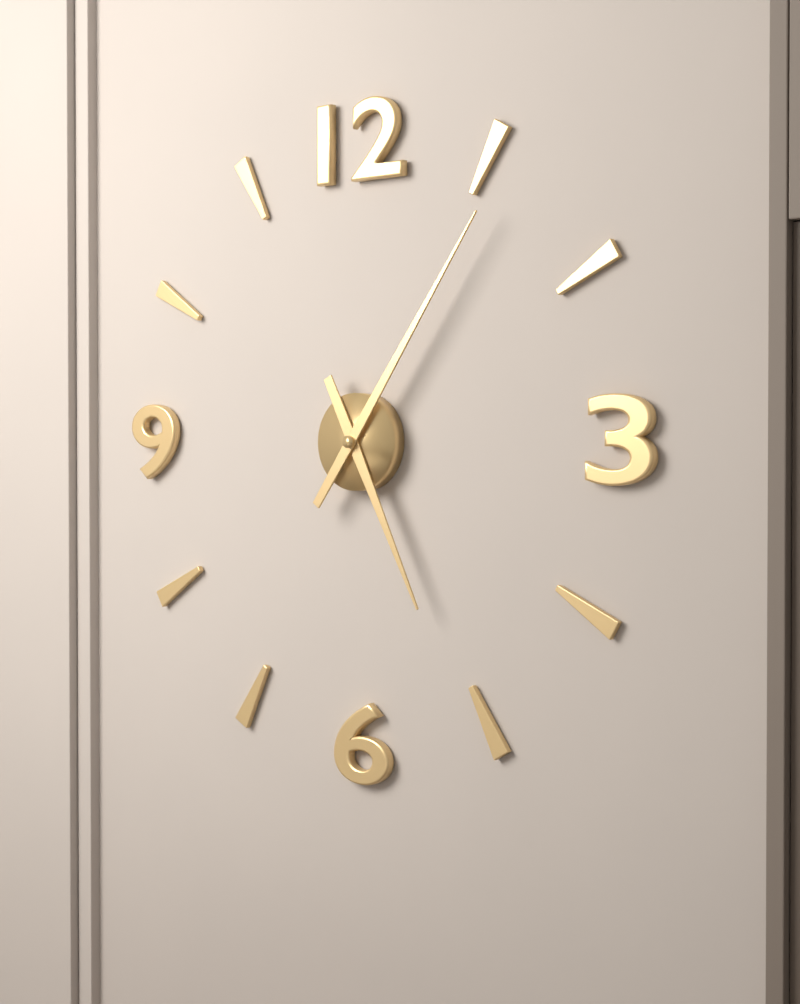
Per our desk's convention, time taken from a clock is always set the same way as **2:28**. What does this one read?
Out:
**5:06**
